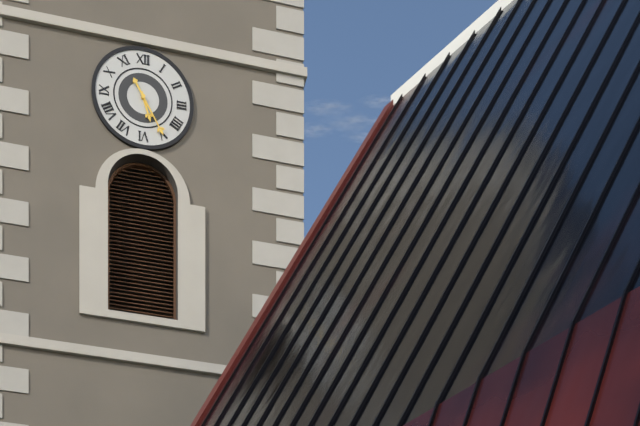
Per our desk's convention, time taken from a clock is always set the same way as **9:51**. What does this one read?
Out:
**5:25**
